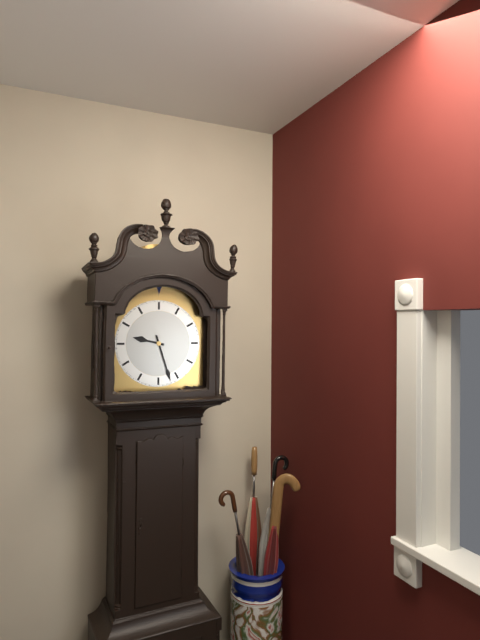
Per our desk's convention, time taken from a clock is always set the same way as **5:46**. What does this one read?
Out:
**9:27**
